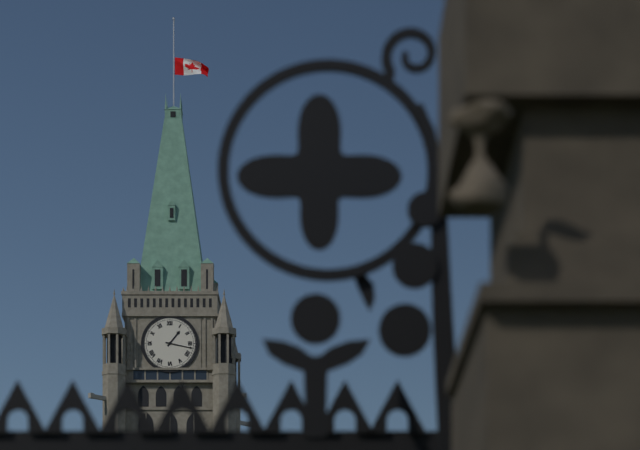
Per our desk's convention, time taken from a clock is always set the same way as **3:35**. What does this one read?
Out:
**1:17**
